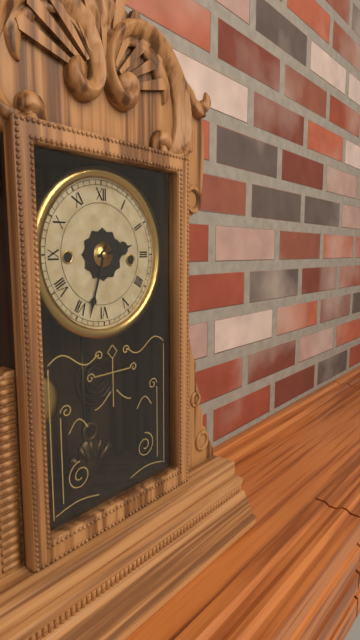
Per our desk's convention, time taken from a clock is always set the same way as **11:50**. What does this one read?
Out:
**2:33**
